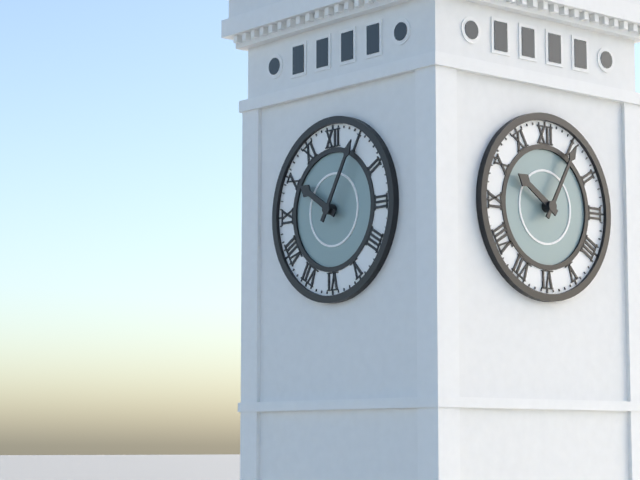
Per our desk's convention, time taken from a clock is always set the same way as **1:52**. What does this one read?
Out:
**10:05**
